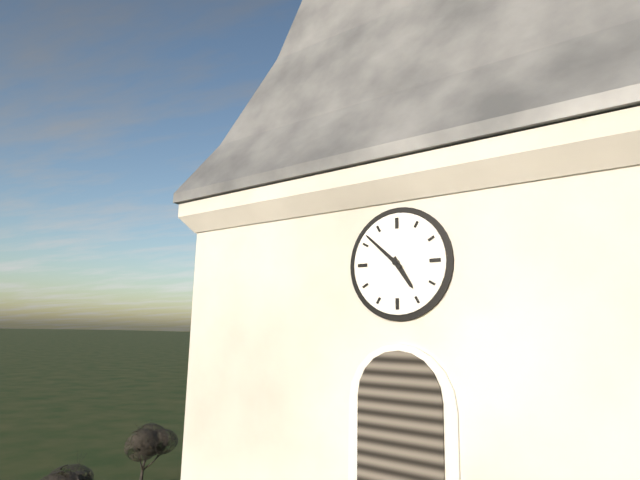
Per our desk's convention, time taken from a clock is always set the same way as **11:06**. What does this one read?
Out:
**4:52**
